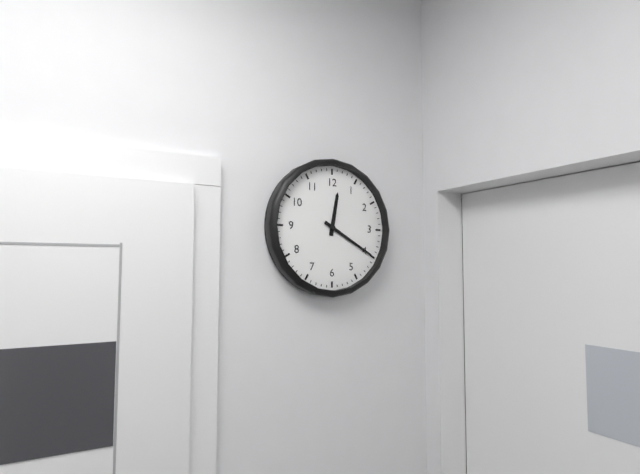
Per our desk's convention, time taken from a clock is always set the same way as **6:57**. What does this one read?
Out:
**12:20**
